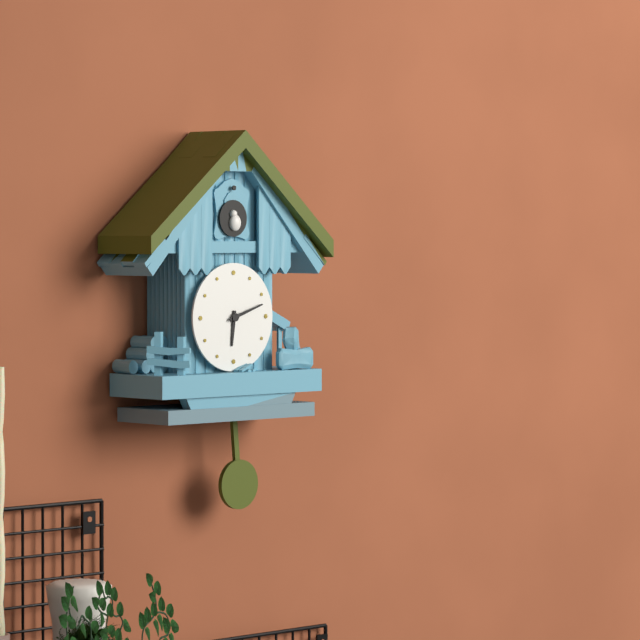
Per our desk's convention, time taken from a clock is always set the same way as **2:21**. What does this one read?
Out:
**6:12**
